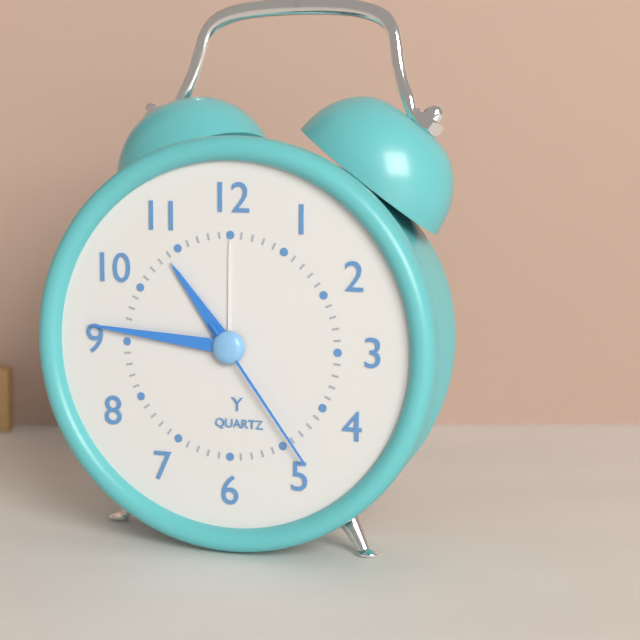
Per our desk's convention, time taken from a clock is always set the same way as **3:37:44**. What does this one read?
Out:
**10:46:24**
